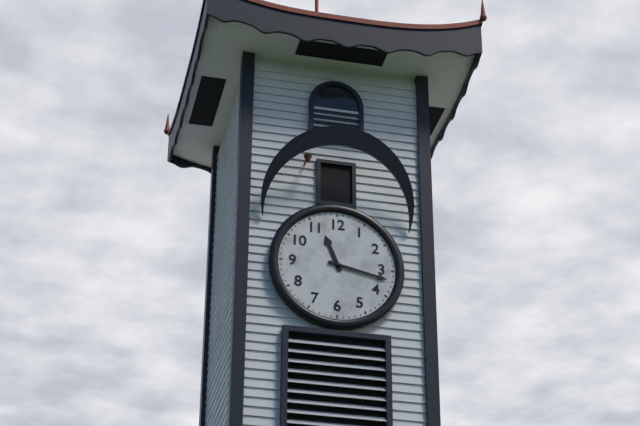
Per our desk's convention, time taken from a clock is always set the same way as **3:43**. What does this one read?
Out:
**11:17**
